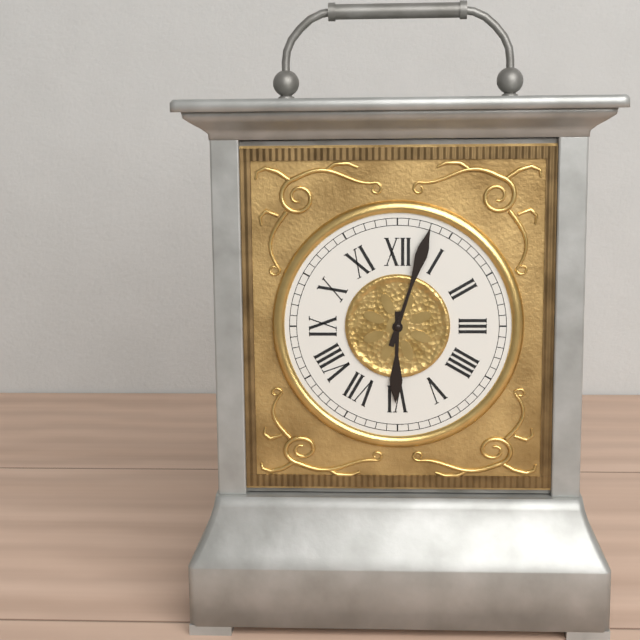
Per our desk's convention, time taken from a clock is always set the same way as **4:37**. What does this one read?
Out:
**6:03**
